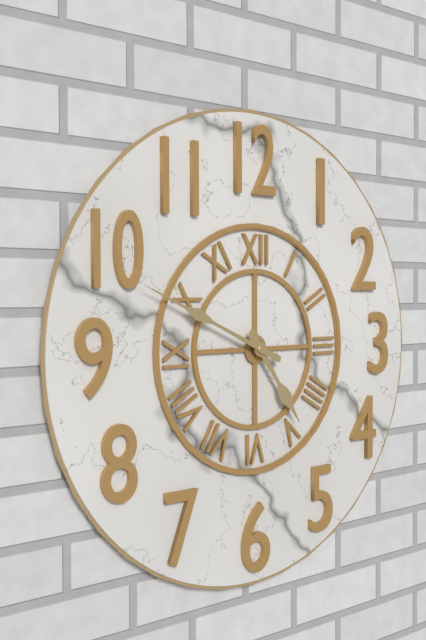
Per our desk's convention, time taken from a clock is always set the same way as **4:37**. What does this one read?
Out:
**4:49**
